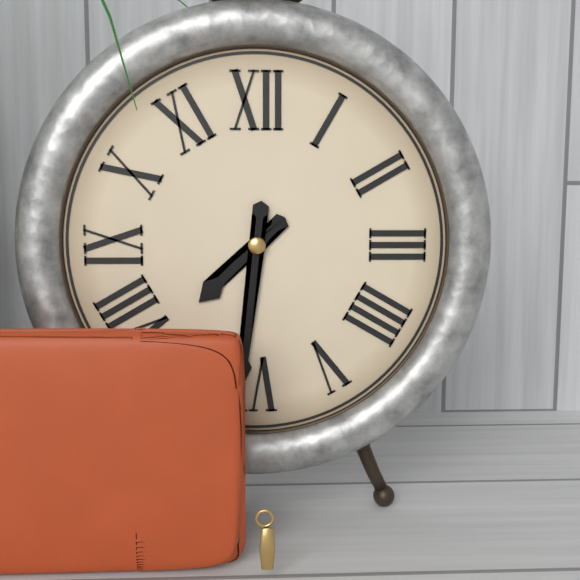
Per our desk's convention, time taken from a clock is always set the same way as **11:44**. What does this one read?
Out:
**7:31**
